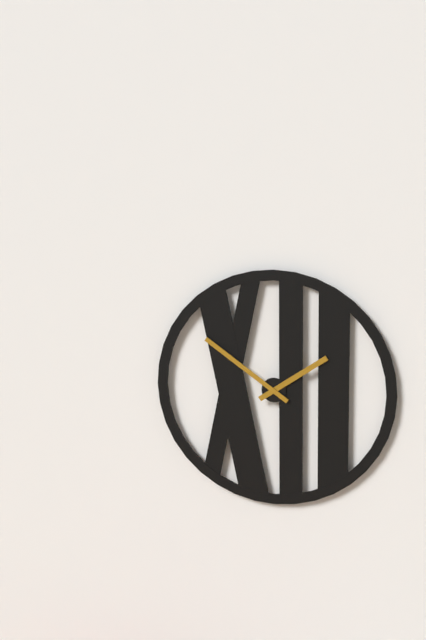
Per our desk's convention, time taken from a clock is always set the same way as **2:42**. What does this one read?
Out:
**1:51**
